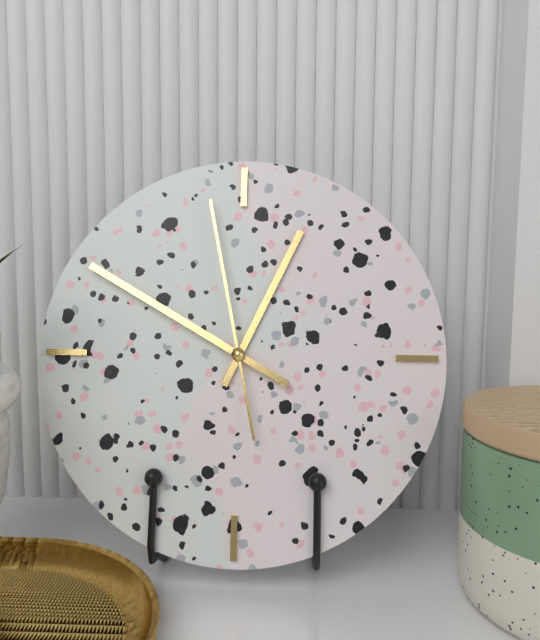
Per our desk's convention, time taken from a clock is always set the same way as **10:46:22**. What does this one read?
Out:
**12:50:58**
